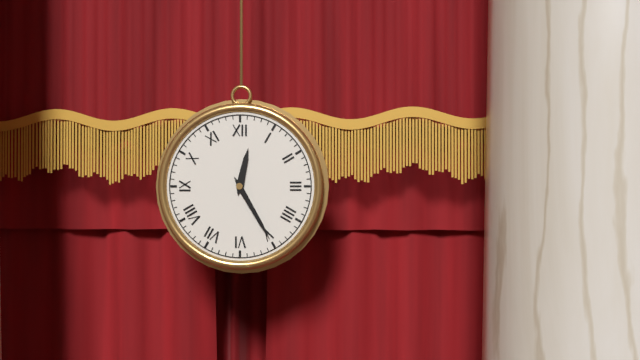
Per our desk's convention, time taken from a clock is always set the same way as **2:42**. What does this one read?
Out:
**12:25**
